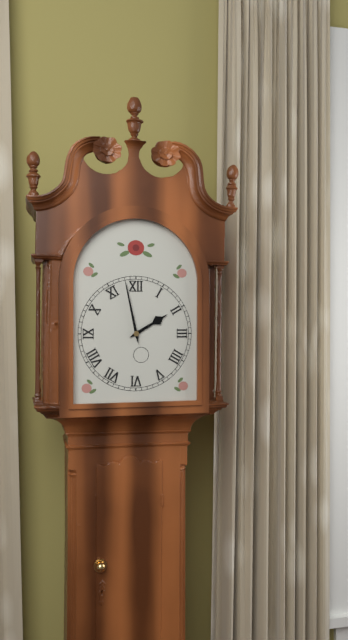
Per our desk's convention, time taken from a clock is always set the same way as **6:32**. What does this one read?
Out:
**1:58**
